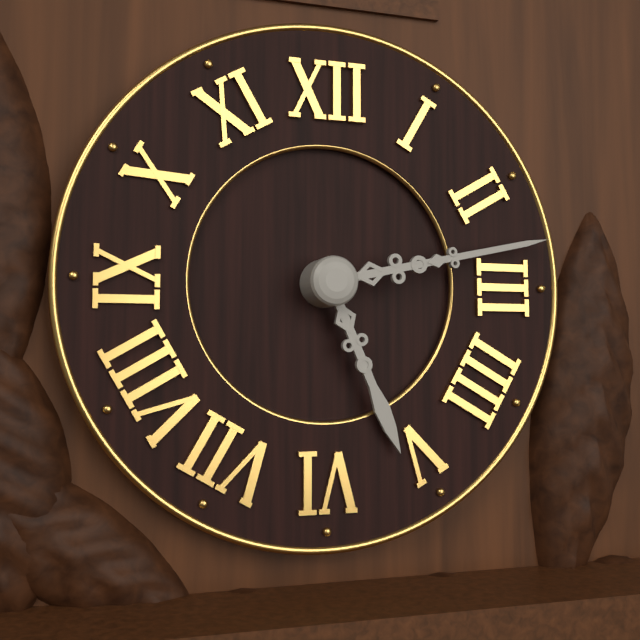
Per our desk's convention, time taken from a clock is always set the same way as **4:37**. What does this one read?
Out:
**5:13**
